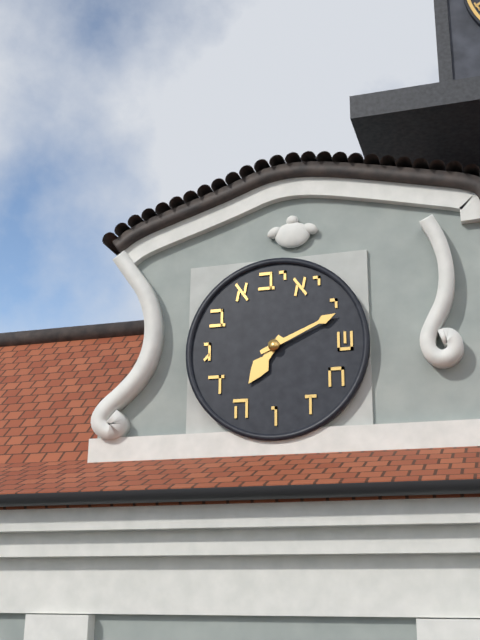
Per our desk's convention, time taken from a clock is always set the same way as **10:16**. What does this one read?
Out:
**7:11**
